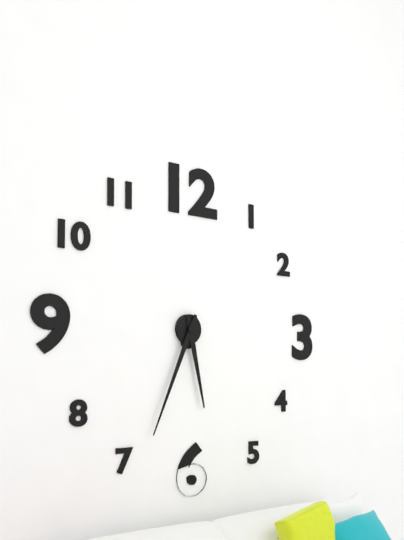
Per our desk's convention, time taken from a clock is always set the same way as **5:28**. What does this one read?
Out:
**5:34**
